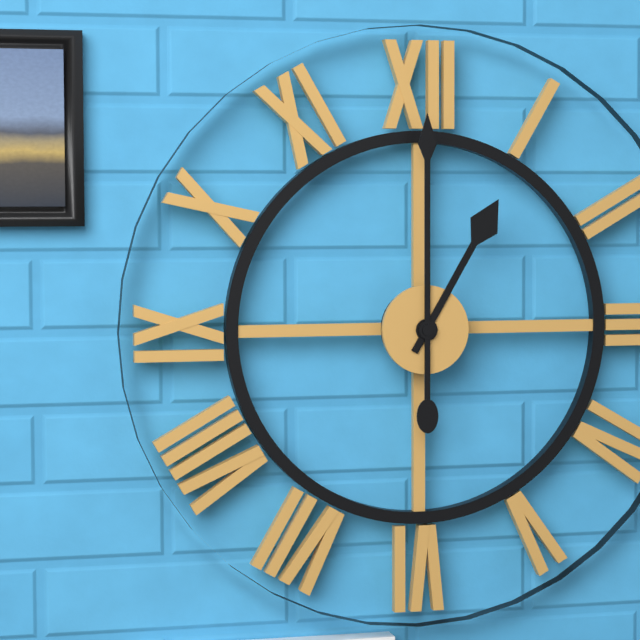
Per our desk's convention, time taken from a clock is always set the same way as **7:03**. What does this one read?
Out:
**1:00**
